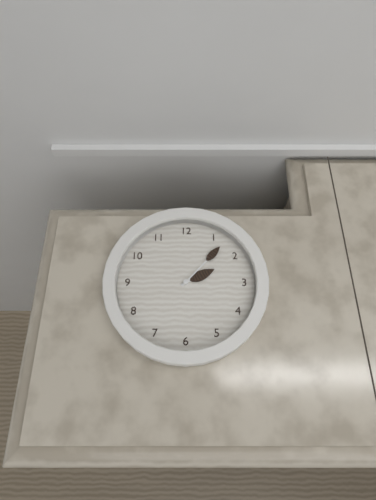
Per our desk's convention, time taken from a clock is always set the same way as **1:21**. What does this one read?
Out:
**2:07**
